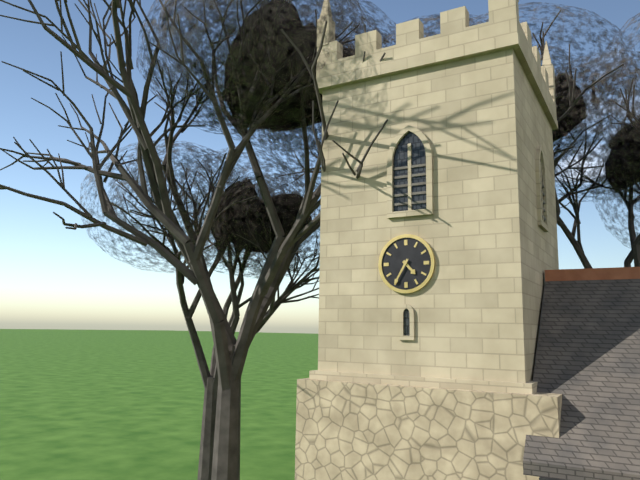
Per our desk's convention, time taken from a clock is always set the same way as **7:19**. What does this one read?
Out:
**4:35**
